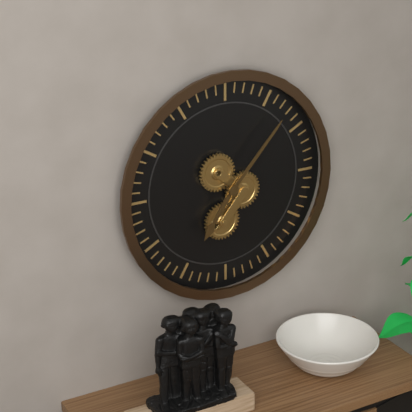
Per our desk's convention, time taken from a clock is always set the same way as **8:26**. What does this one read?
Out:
**7:07**
